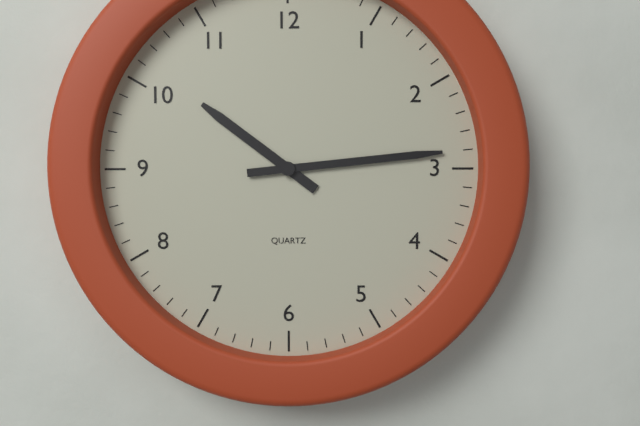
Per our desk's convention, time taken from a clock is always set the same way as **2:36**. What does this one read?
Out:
**10:14**
